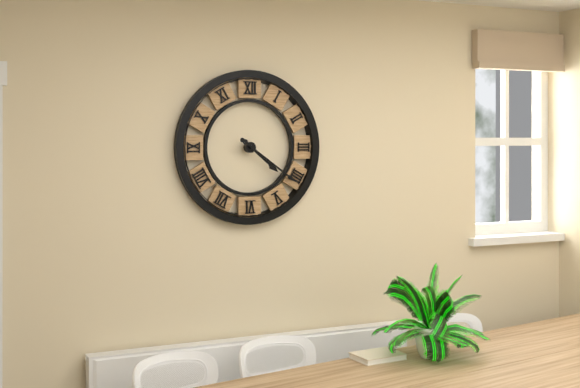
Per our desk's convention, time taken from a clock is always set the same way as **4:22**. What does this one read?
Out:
**4:21**
